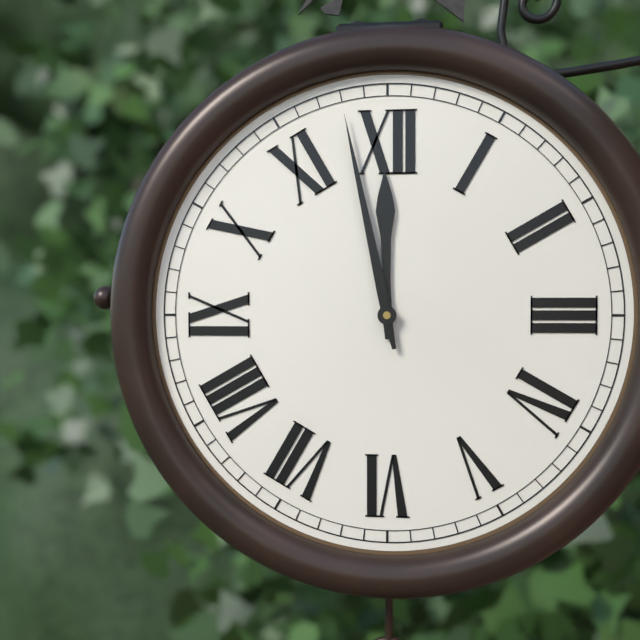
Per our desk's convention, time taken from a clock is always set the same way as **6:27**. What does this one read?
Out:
**11:58**
